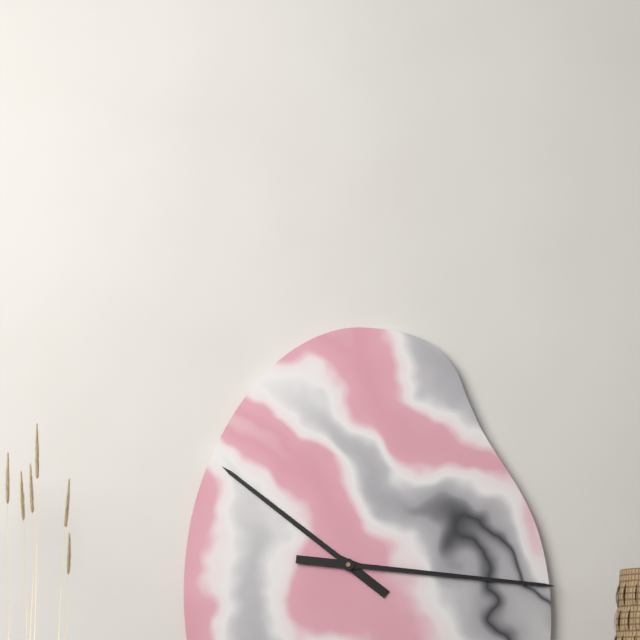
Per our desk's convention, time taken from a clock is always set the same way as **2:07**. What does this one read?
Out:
**10:16**
